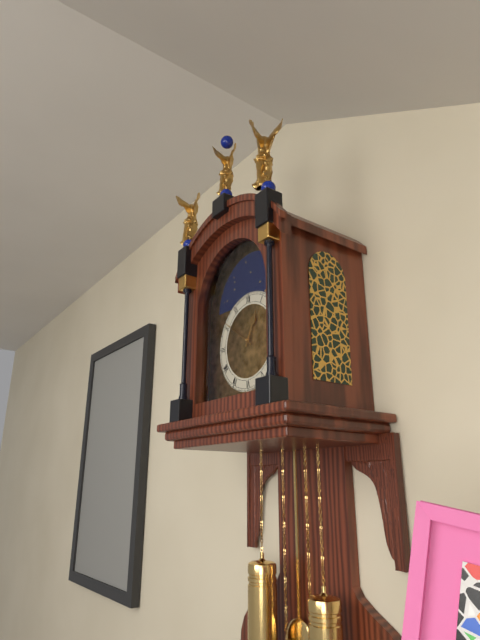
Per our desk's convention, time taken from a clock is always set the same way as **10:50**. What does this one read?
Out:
**12:51**
